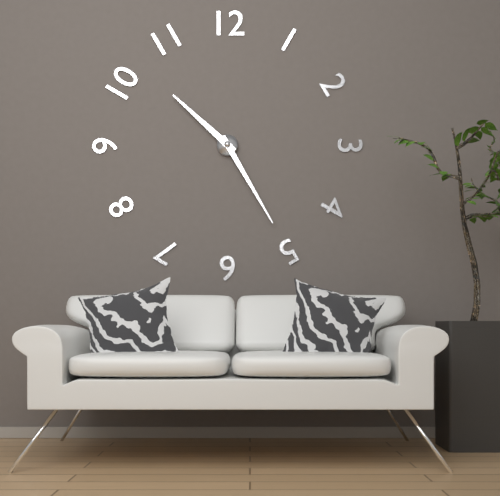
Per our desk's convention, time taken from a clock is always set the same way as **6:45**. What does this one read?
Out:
**10:25**
